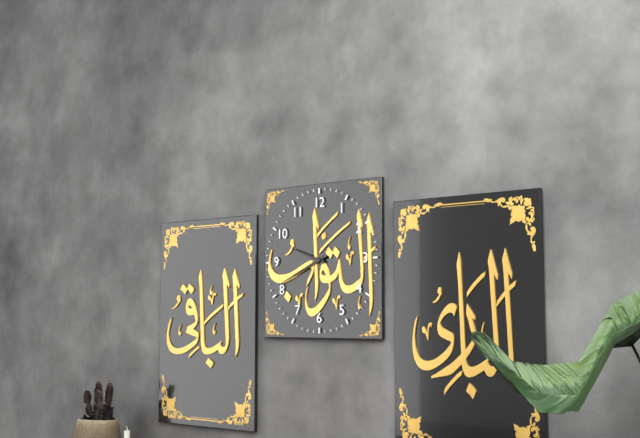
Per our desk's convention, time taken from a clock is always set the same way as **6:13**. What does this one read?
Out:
**9:41**
